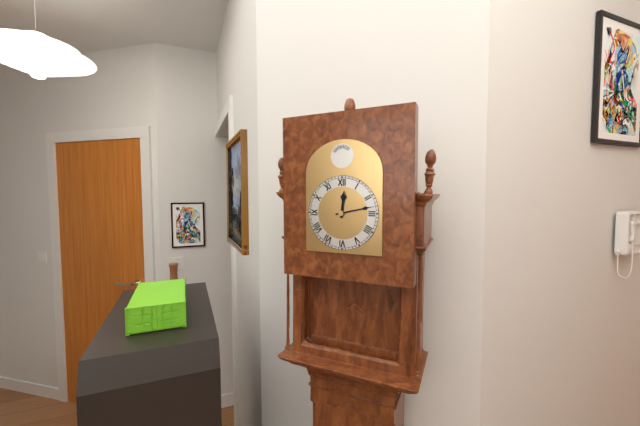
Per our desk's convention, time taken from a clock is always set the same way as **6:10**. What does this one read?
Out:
**12:13**
